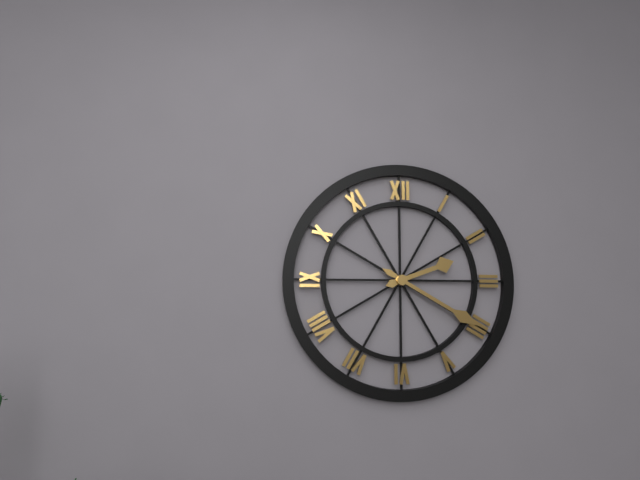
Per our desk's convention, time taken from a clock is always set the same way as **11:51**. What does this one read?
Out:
**2:20**
